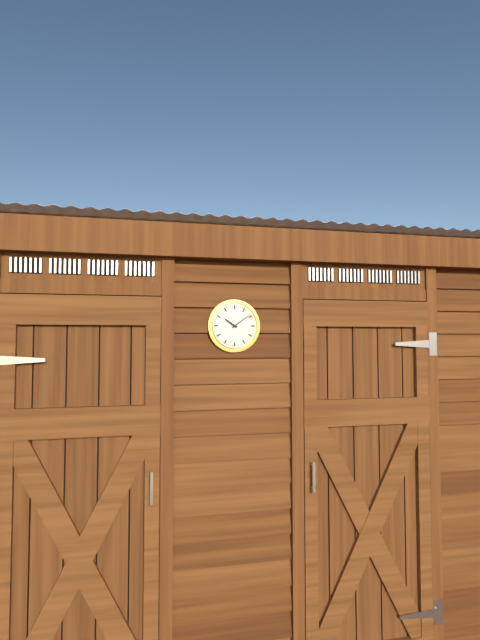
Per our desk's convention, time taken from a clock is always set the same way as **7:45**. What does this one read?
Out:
**10:09**
